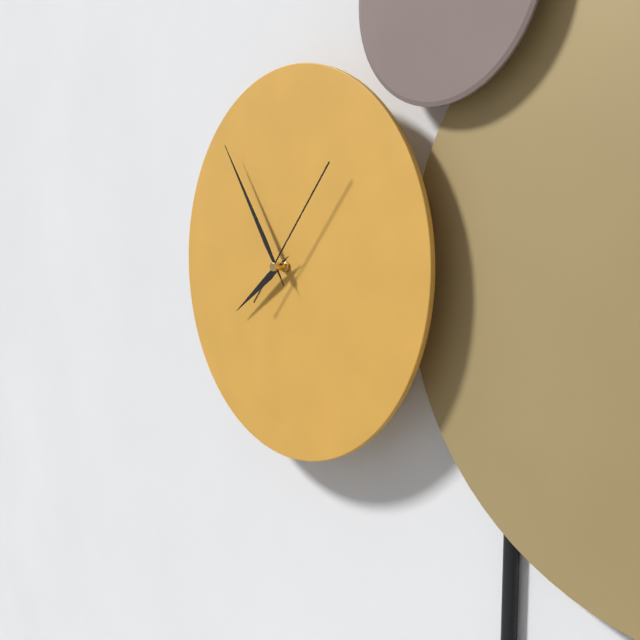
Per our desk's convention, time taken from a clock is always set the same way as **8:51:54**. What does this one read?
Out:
**7:54:07**
